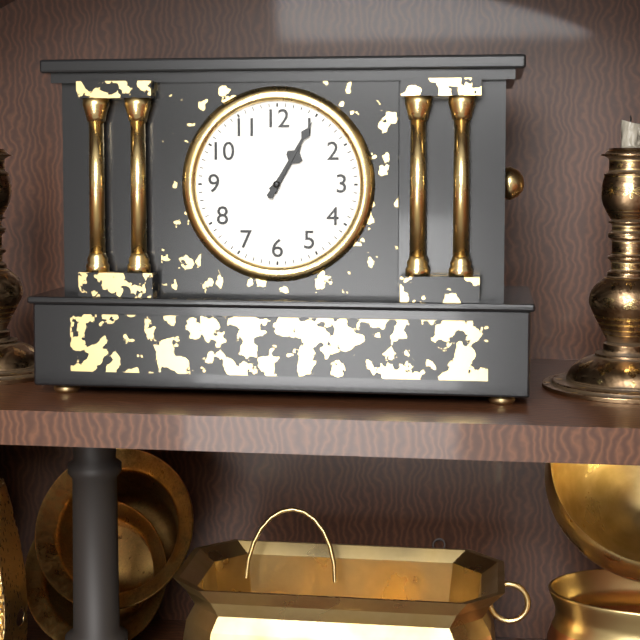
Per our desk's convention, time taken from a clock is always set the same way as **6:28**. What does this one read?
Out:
**1:05**
